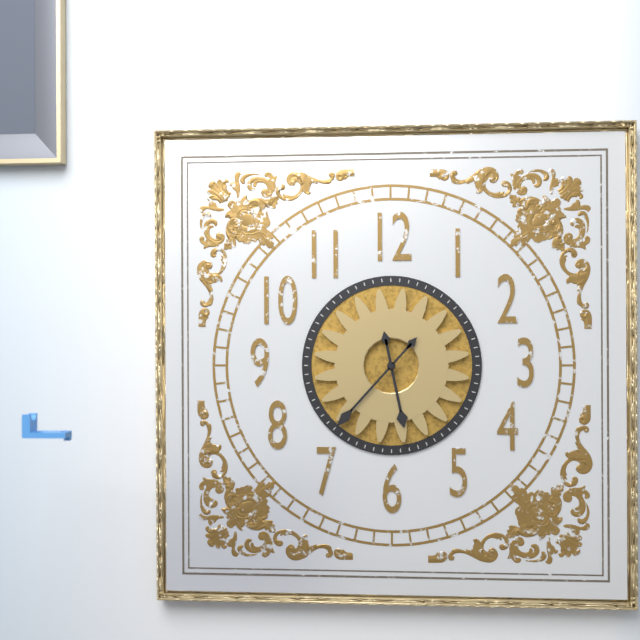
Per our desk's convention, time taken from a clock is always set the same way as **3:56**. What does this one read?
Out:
**5:37**
